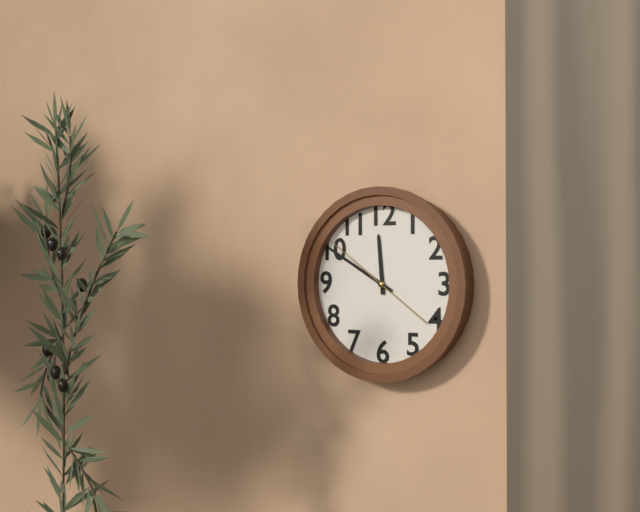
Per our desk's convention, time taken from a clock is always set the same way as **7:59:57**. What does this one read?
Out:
**11:50:51**
